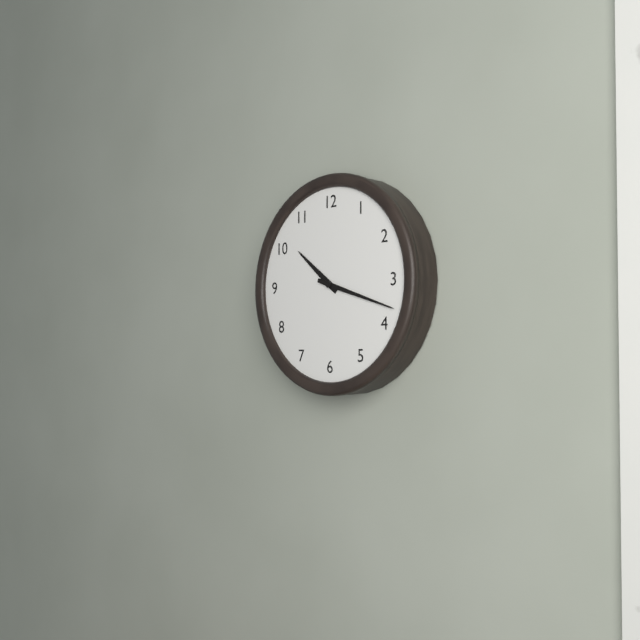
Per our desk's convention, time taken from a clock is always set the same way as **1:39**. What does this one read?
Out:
**10:18**
